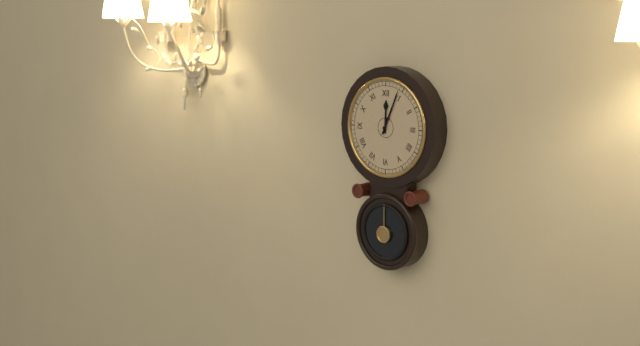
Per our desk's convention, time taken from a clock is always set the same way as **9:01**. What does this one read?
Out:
**12:04**
